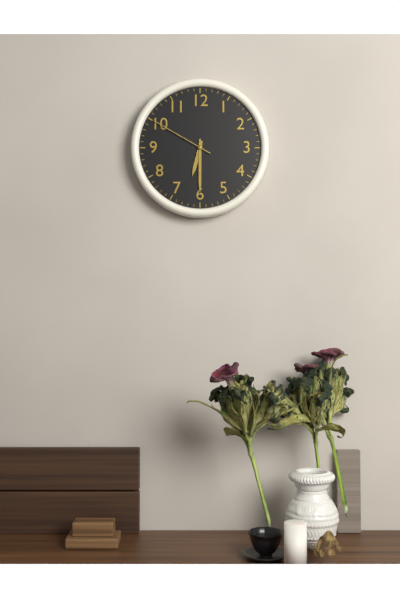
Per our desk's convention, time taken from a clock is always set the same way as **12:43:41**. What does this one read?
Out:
**6:30:50**
